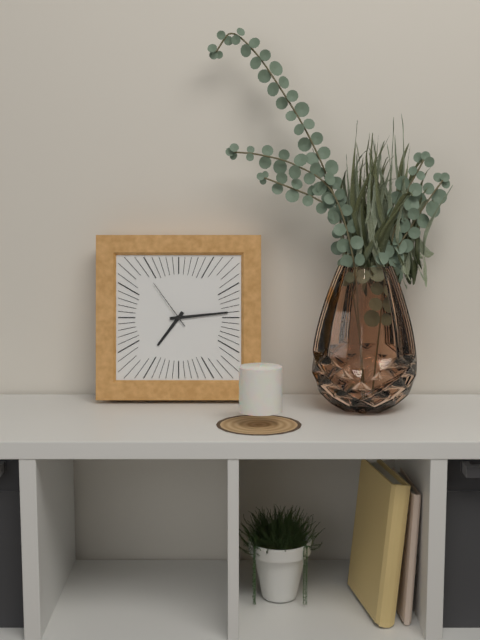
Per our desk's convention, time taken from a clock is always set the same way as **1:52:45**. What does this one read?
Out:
**7:14:54**
